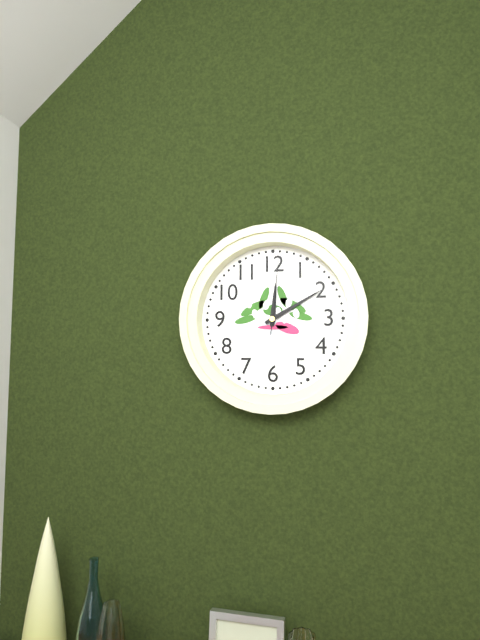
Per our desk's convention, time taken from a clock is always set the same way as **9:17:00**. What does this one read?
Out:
**12:10:01**
